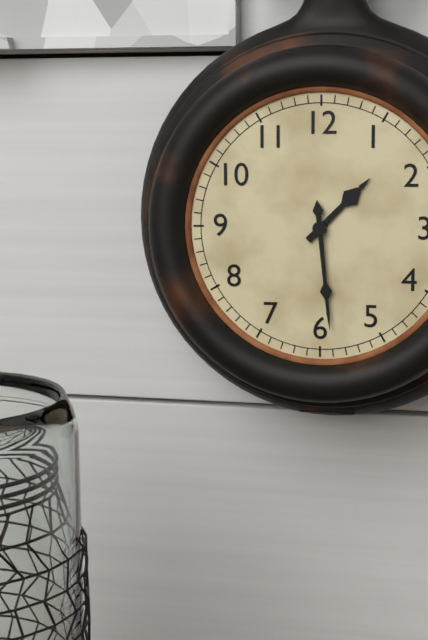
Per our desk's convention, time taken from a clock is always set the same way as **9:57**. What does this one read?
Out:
**1:29**
